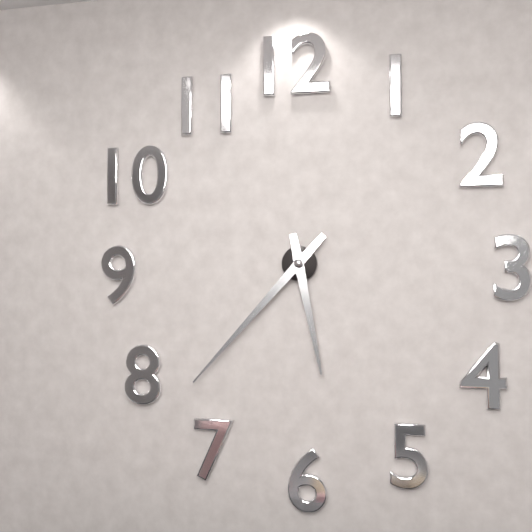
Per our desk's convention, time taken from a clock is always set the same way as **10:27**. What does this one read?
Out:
**5:37**
